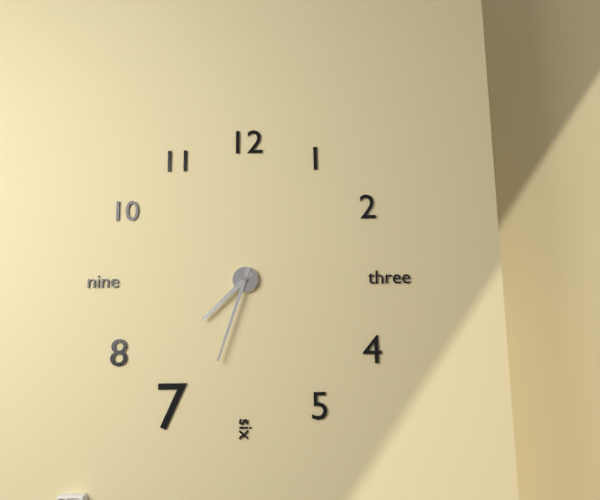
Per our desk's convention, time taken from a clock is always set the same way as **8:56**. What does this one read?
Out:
**7:33**
